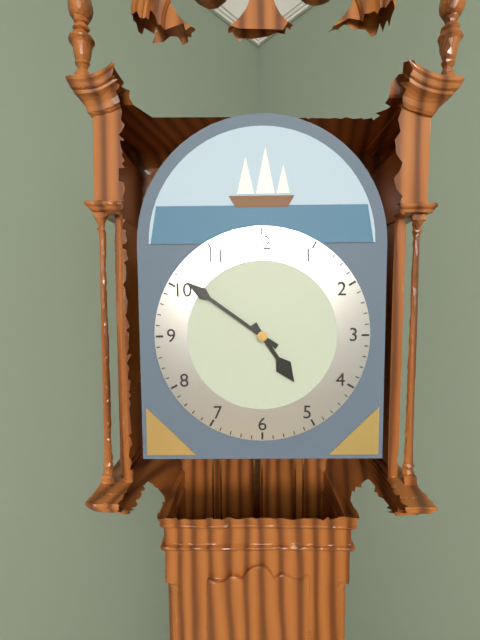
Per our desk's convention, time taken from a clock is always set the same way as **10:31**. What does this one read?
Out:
**4:51**
